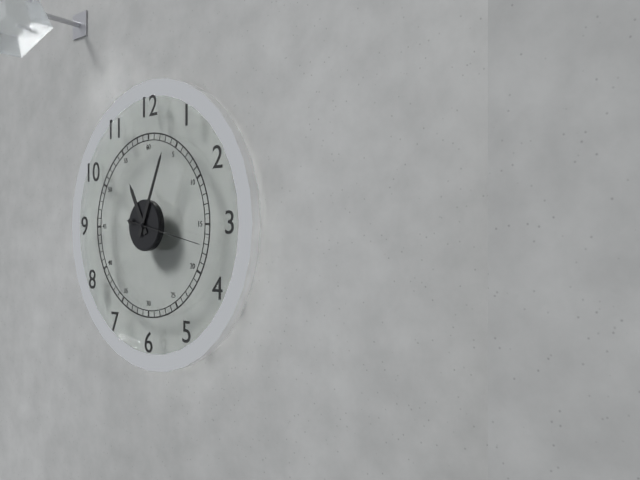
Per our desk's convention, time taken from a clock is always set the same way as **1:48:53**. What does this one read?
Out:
**11:04:17**
